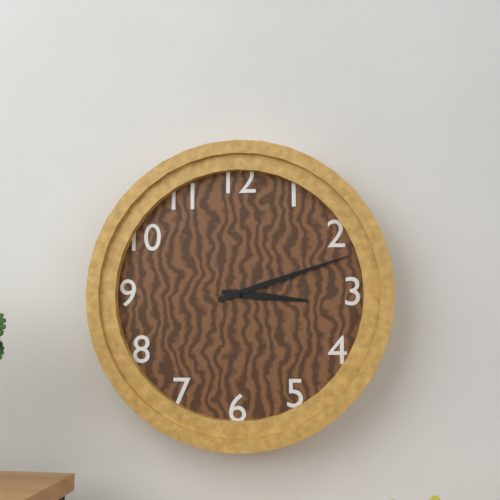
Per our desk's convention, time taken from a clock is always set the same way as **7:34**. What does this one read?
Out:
**3:12**
